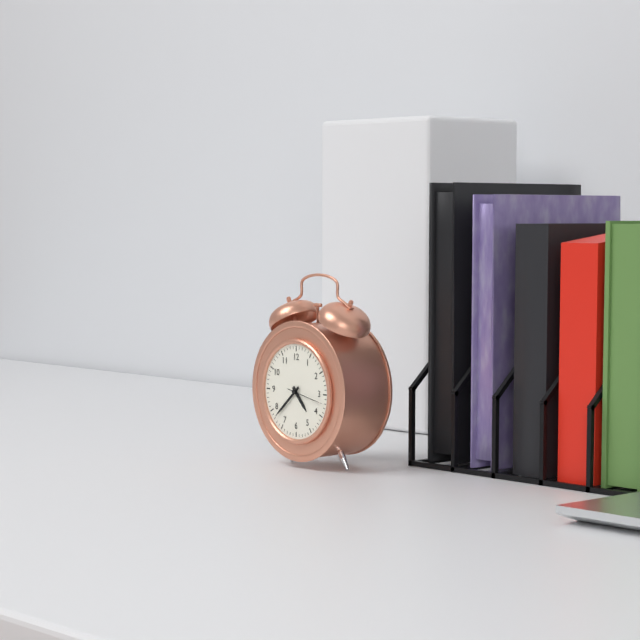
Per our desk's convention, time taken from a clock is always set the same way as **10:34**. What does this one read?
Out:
**4:38**
